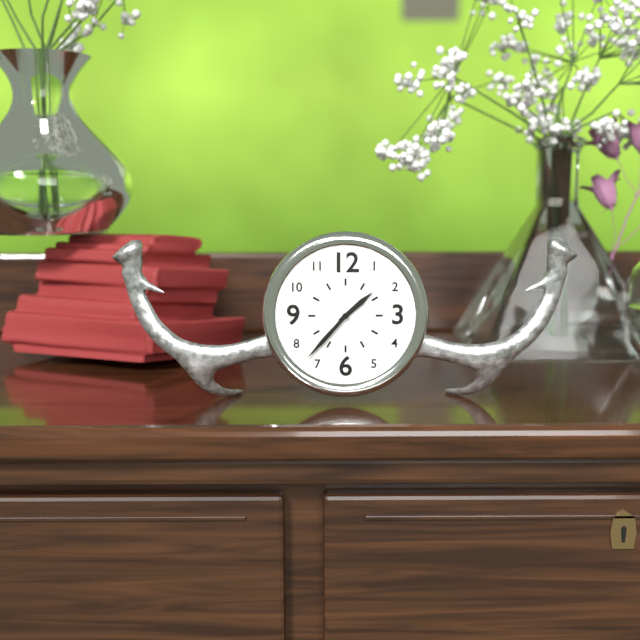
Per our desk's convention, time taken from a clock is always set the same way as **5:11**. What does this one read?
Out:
**1:37**
